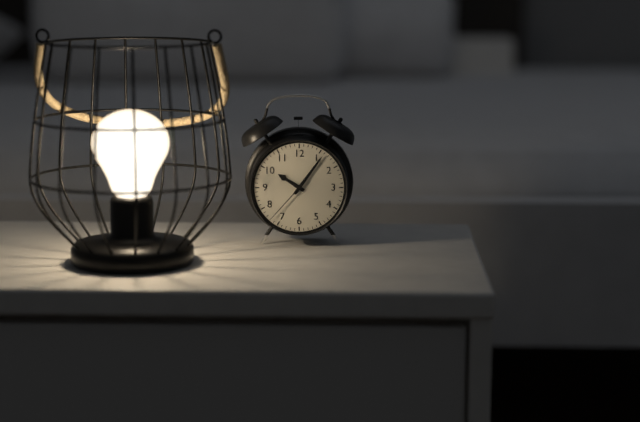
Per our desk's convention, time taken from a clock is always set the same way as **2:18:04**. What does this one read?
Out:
**10:06:37**
